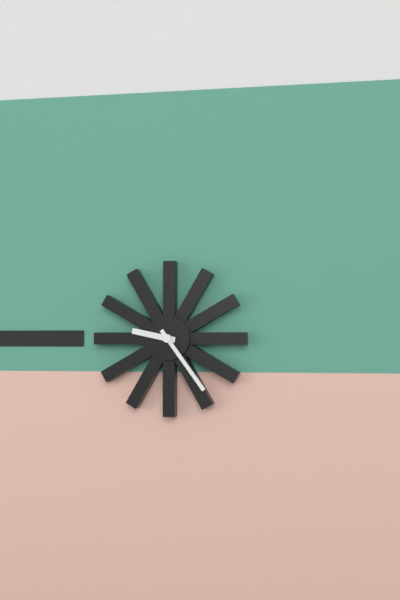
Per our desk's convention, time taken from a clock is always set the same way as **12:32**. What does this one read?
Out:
**9:24**
